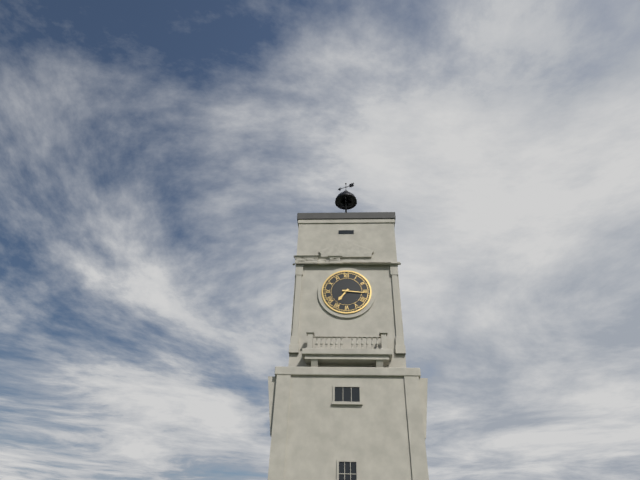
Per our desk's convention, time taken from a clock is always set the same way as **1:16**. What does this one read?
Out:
**7:16**
